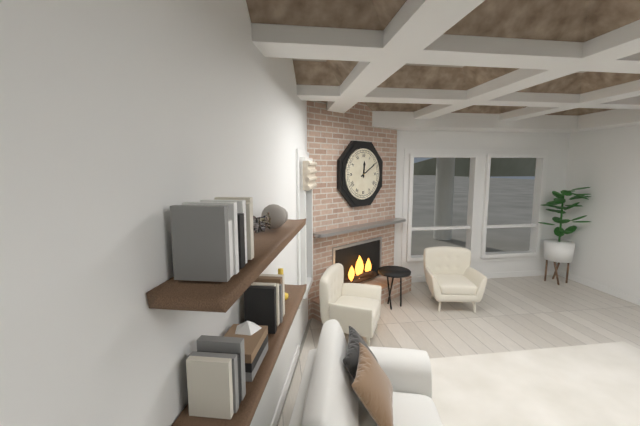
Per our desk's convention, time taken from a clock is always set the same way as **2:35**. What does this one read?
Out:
**12:10**
